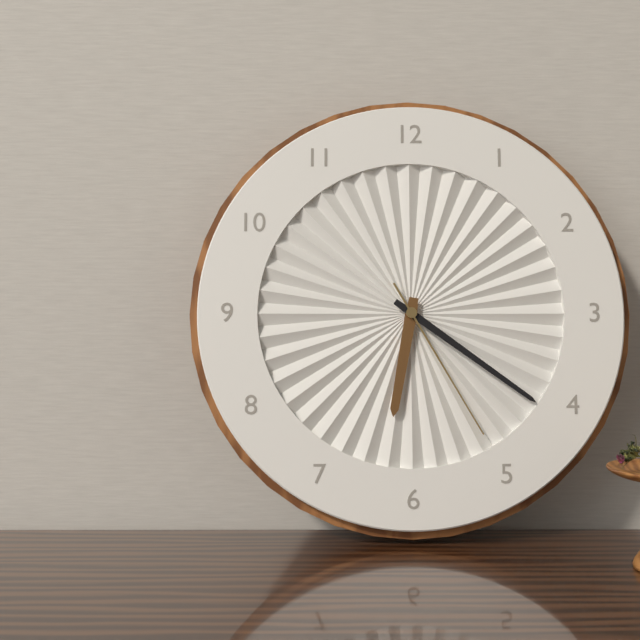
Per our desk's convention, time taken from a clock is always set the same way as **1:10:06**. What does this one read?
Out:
**6:21:25**
